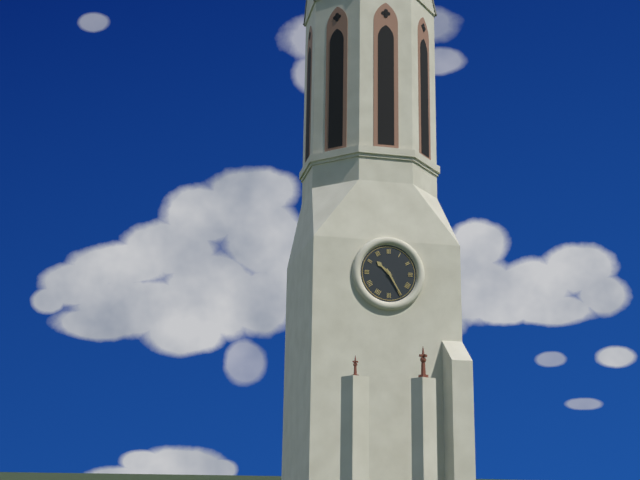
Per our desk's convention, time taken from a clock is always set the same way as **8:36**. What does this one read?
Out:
**10:25**
